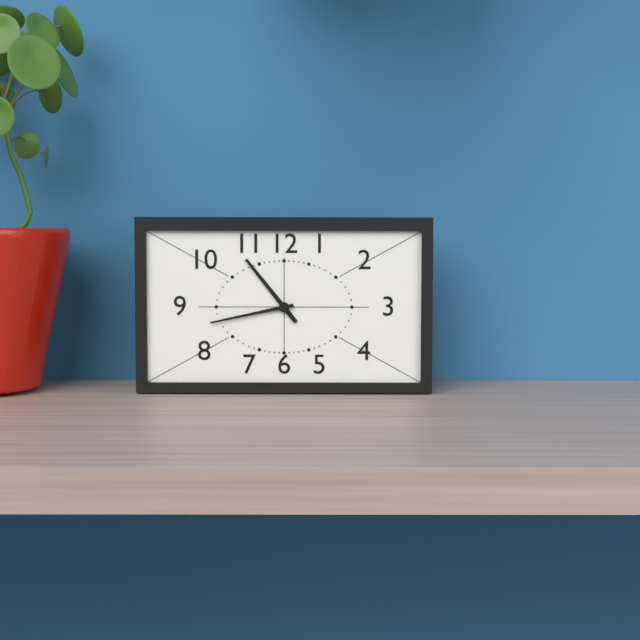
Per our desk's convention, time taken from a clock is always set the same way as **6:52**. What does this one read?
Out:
**10:43**
